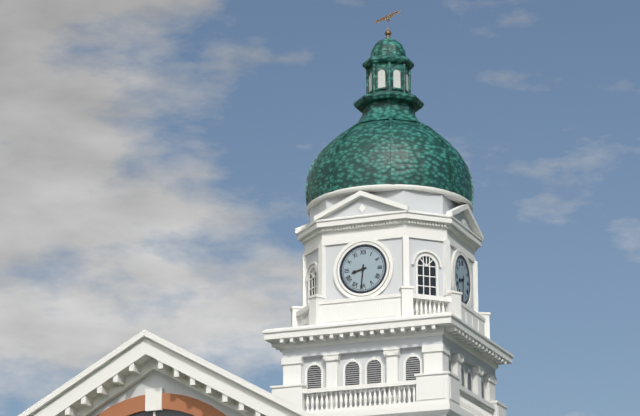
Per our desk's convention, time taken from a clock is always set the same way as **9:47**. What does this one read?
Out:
**8:31**
